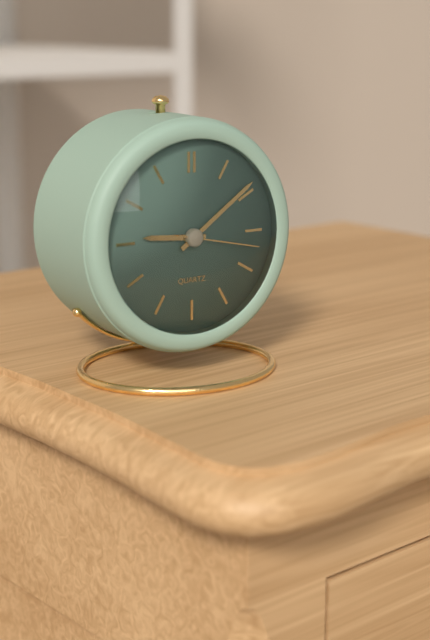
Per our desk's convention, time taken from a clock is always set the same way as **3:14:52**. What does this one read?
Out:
**9:09:17**
